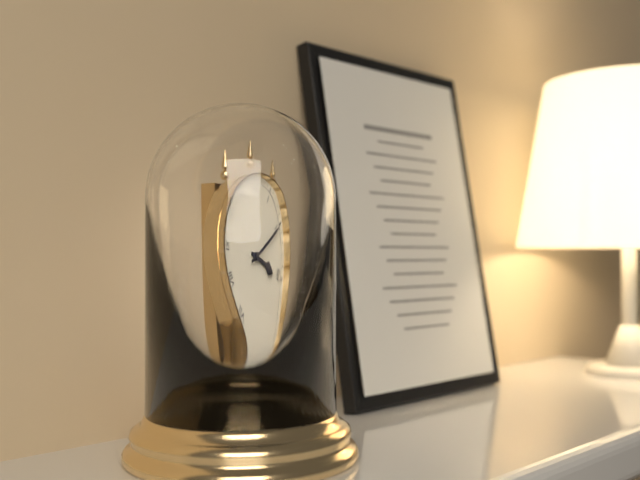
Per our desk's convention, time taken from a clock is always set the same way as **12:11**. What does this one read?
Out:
**3:10**
